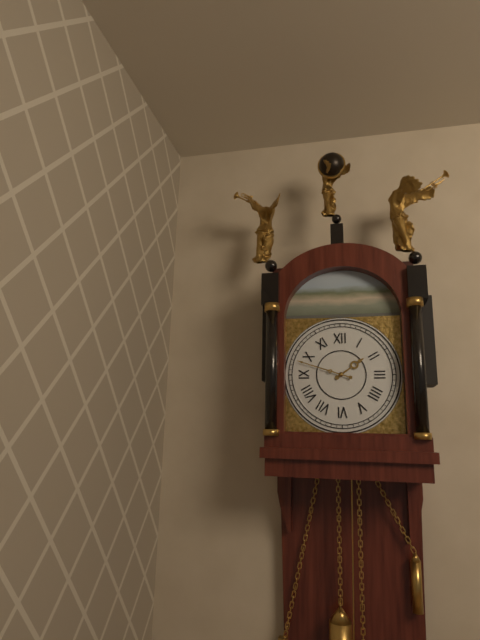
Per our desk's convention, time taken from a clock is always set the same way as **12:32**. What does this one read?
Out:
**1:48**
